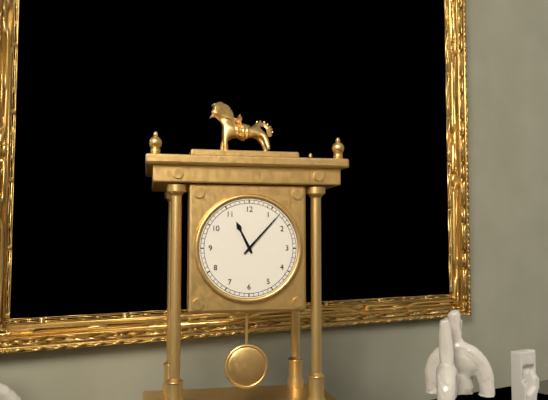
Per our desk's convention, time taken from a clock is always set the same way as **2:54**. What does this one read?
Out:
**11:07**
